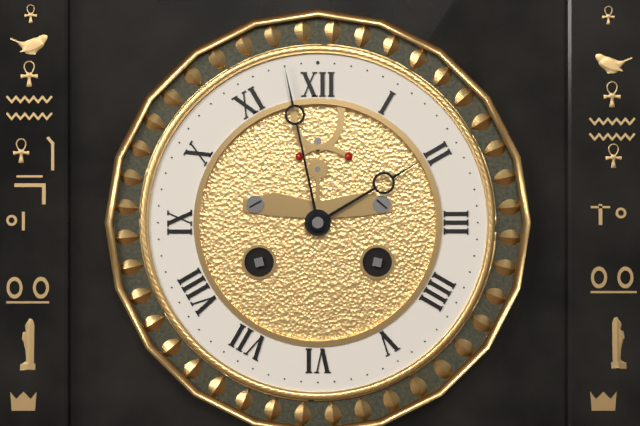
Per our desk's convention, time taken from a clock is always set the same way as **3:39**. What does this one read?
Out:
**1:58**
